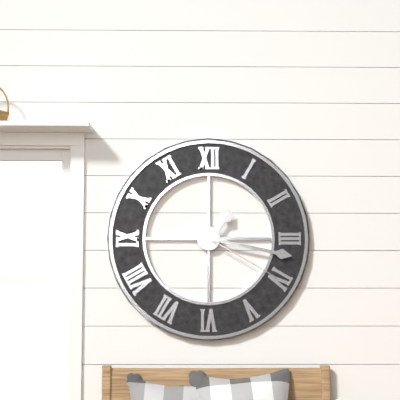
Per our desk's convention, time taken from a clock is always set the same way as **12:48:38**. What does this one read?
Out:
**1:17:20**
